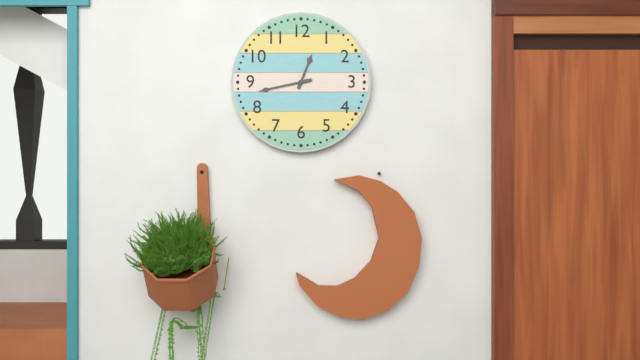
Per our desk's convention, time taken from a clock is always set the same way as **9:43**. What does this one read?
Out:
**12:43**
